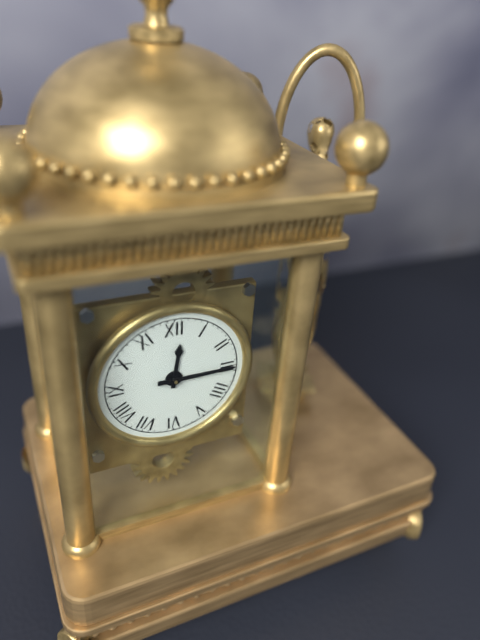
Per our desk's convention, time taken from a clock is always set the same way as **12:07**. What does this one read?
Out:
**12:15**
